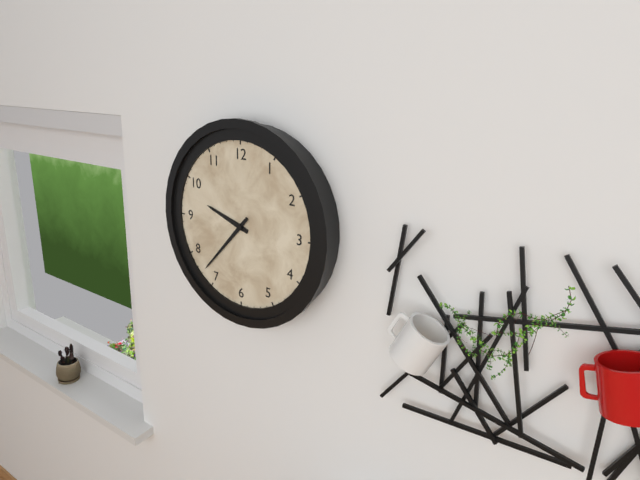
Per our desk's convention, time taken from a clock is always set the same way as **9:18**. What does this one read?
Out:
**9:37**
